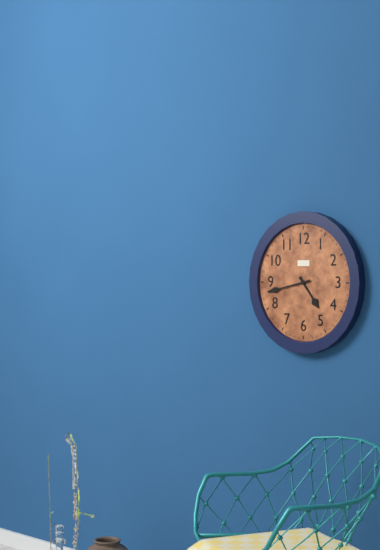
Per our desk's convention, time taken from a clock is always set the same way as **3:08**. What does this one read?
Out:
**4:43**
